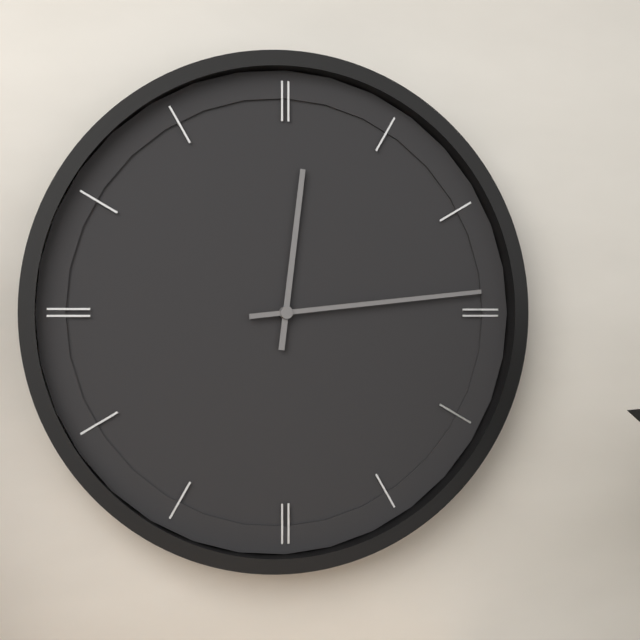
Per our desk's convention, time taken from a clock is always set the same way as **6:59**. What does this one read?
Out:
**12:14**
